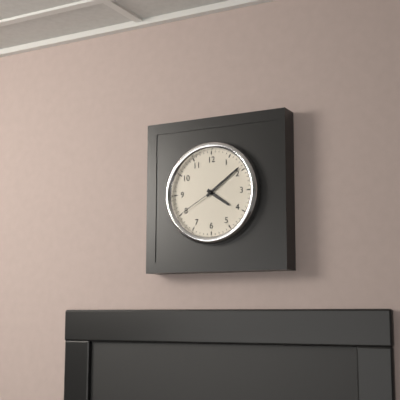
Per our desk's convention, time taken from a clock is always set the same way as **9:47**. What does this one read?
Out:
**4:09**
